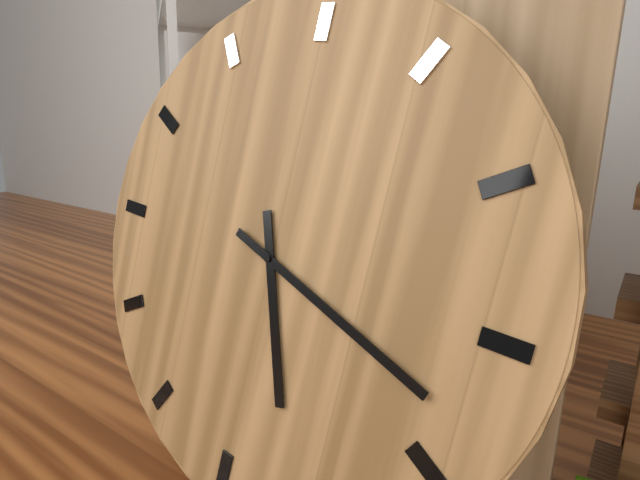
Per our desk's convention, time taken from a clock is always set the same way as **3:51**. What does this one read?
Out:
**5:18**
